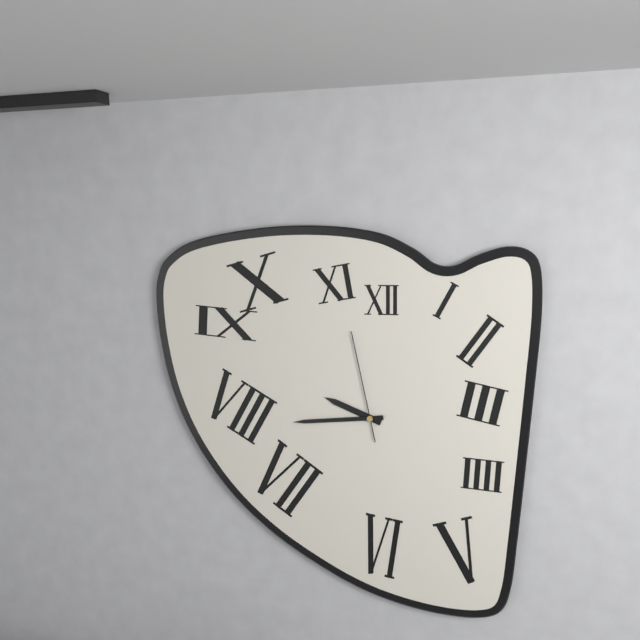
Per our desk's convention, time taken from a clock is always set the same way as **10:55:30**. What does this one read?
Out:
**9:44:58**
